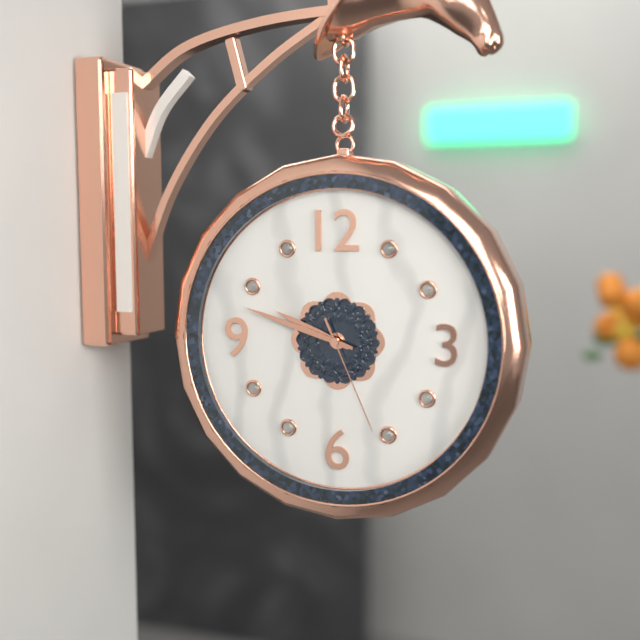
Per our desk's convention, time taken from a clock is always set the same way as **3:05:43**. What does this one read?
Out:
**9:48:26**
